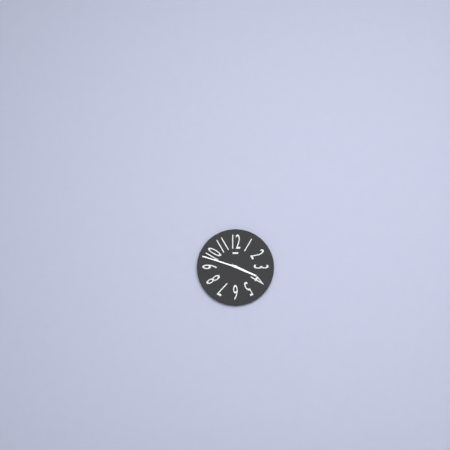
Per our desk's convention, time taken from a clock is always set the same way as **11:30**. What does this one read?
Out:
**3:48**
